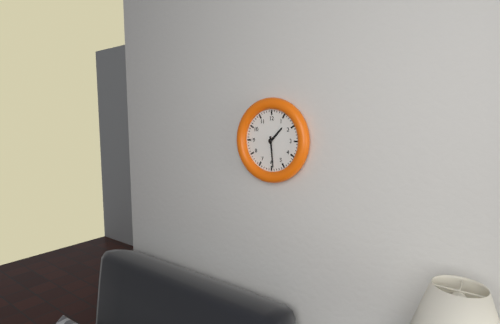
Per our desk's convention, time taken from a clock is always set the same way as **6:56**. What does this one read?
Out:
**1:29**
